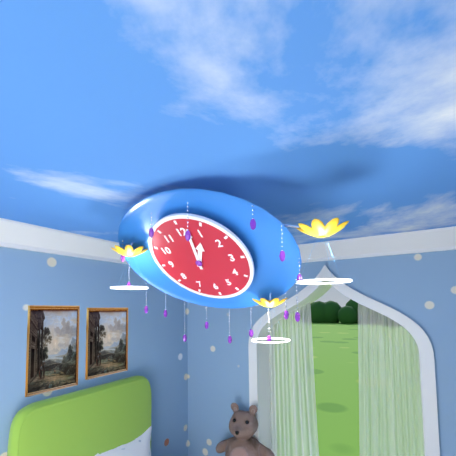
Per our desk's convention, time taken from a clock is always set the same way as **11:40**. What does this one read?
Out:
**1:02**
